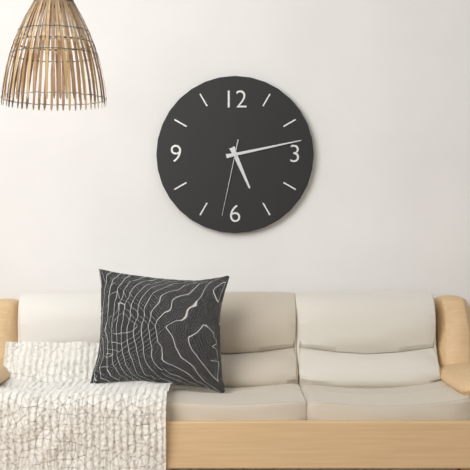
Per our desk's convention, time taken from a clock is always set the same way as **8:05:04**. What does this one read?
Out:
**5:13:32**
